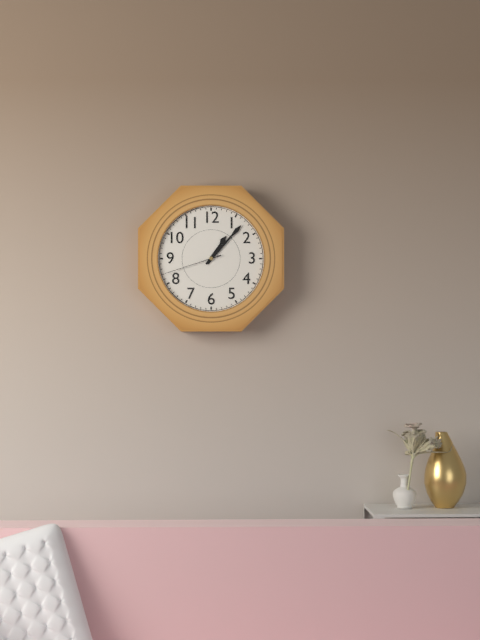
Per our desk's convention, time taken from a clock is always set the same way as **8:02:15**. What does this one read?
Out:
**1:07:42**
